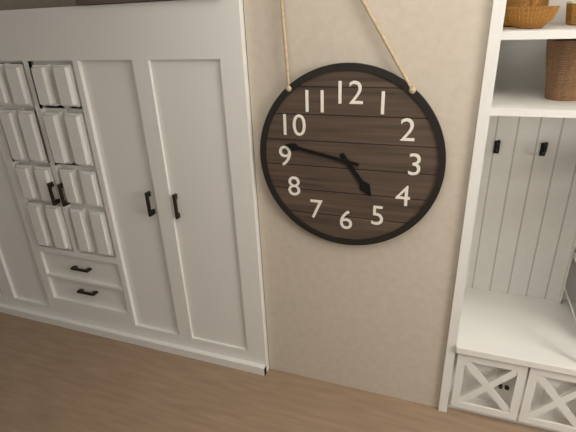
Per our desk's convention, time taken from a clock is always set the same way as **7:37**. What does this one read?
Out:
**4:47**
